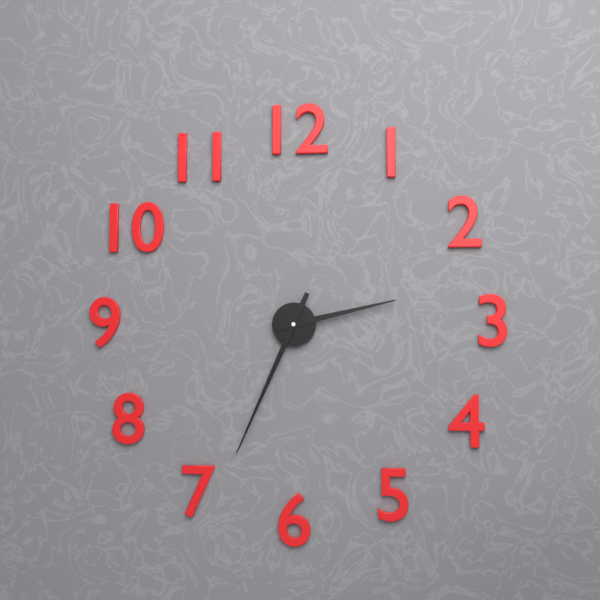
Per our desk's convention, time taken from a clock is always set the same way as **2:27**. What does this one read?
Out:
**2:34**
